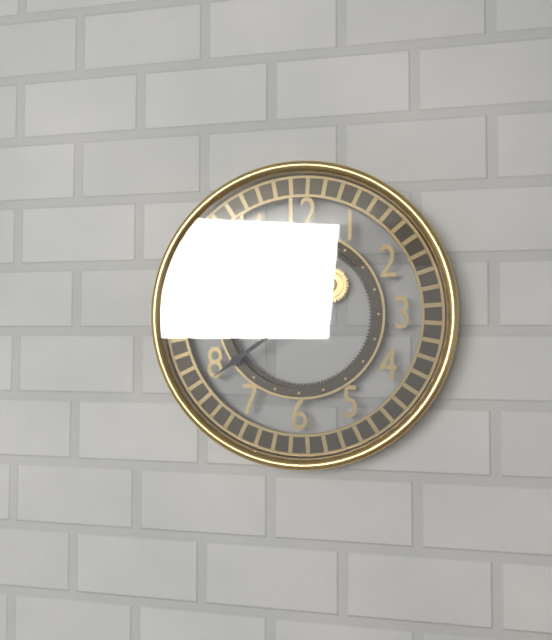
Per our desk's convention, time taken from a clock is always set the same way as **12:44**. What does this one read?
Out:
**12:39**
